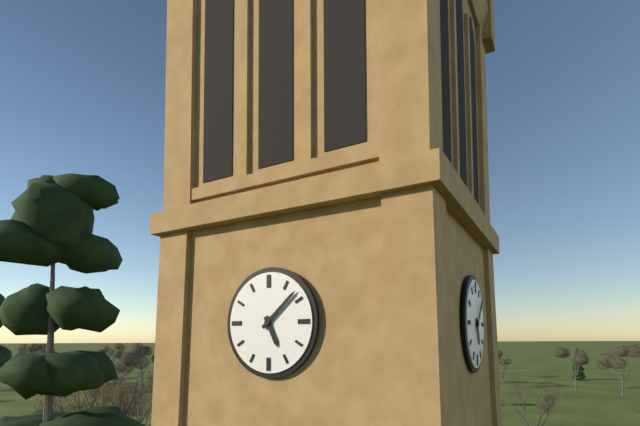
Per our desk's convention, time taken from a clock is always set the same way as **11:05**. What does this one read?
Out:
**5:08**
